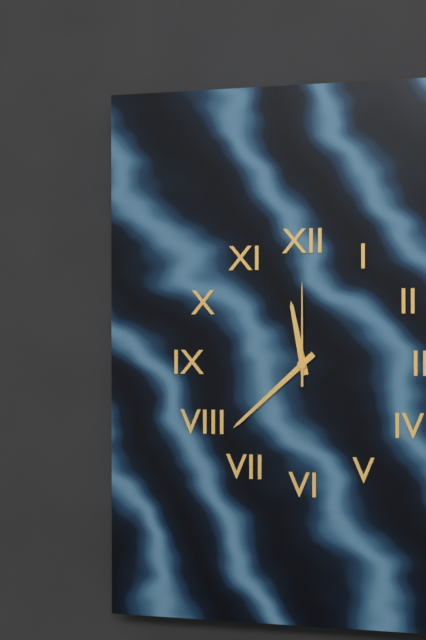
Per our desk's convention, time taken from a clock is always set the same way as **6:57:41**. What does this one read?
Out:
**11:38:00**
